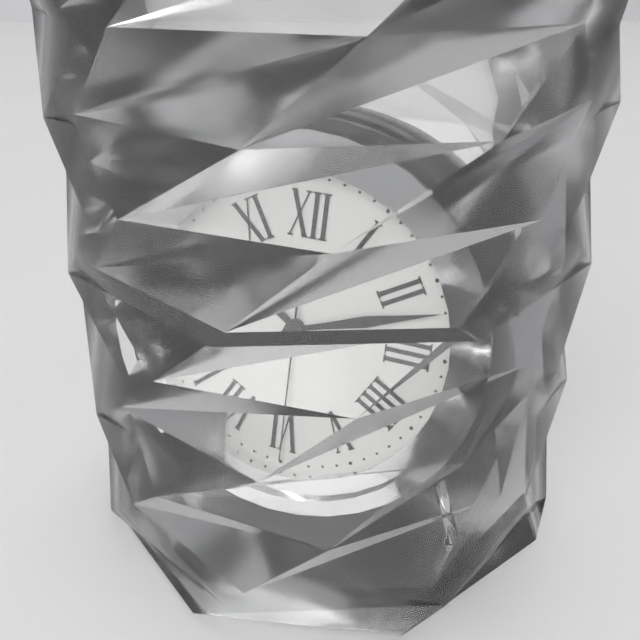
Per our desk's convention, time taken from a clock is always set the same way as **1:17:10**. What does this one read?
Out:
**10:12:30**
